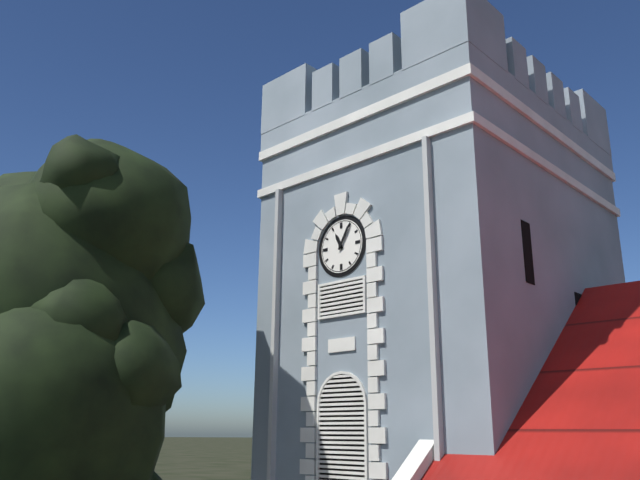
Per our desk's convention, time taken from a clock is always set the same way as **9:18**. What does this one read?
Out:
**11:05**
